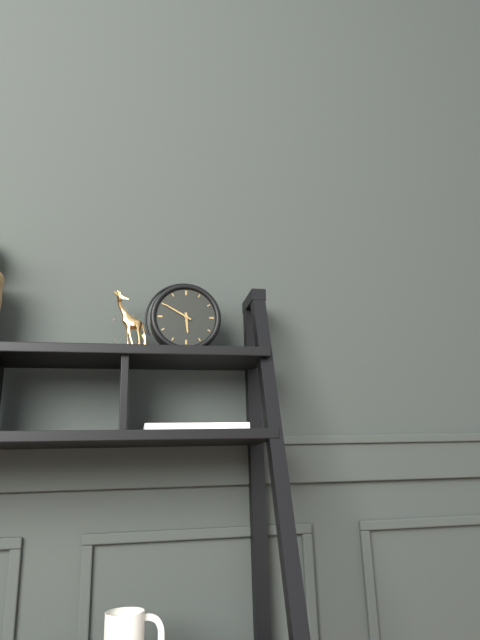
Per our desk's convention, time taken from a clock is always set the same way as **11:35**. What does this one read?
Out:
**5:50**
